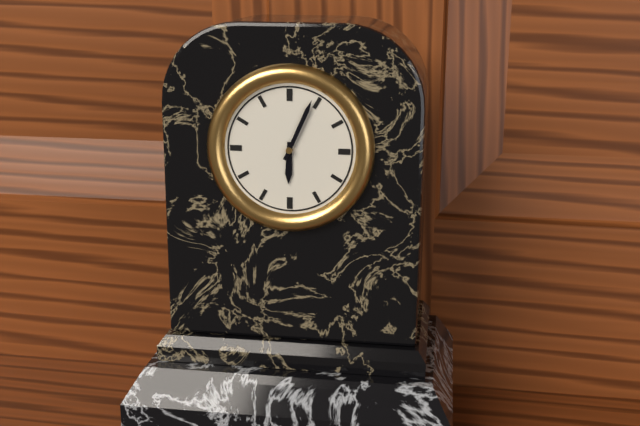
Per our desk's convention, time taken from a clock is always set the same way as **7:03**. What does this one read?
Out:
**6:04**
